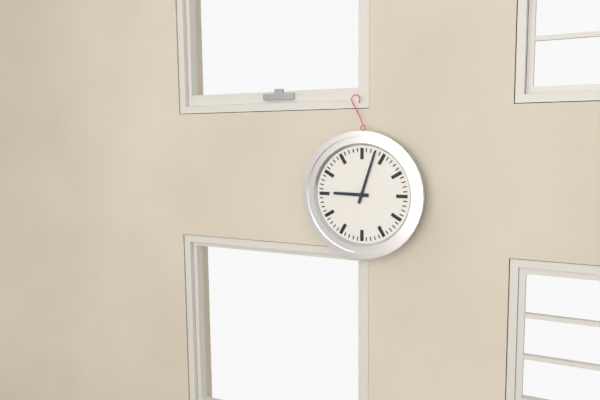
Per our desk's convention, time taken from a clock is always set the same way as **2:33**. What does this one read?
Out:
**9:03**
